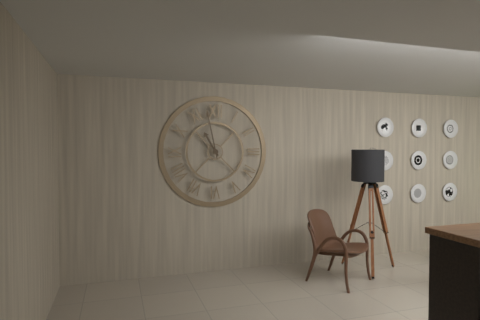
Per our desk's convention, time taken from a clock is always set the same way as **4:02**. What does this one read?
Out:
**10:58**
